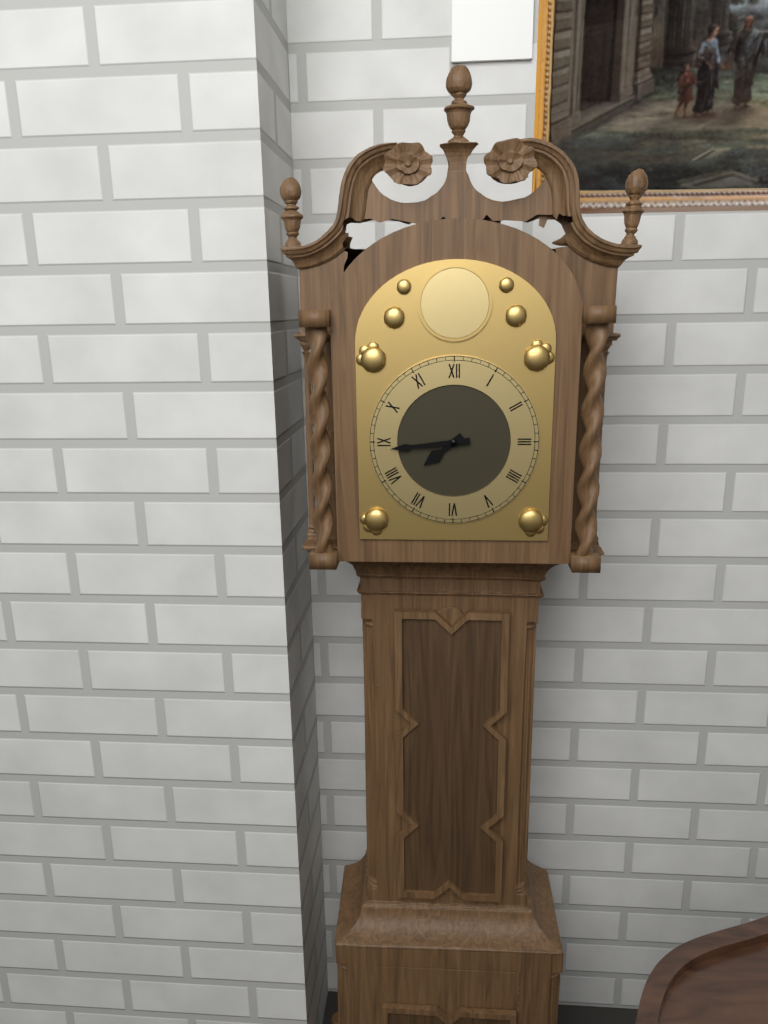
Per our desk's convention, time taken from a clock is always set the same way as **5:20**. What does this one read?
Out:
**7:44**
